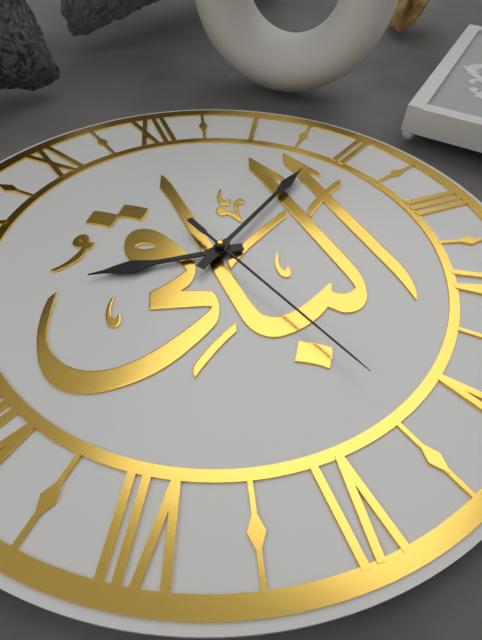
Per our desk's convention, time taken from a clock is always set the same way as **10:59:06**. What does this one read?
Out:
**9:09:27**
